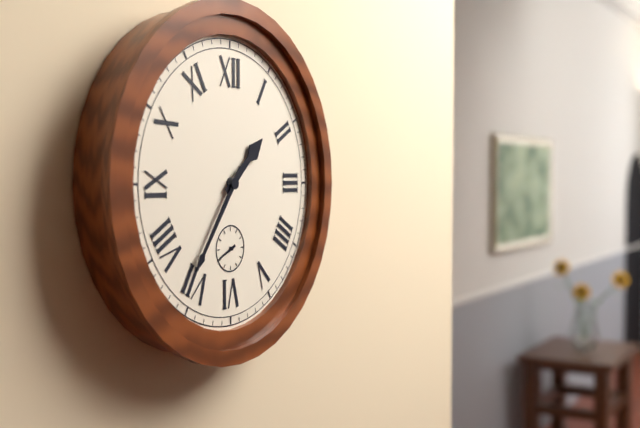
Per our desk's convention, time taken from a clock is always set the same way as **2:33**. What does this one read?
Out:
**1:36**
